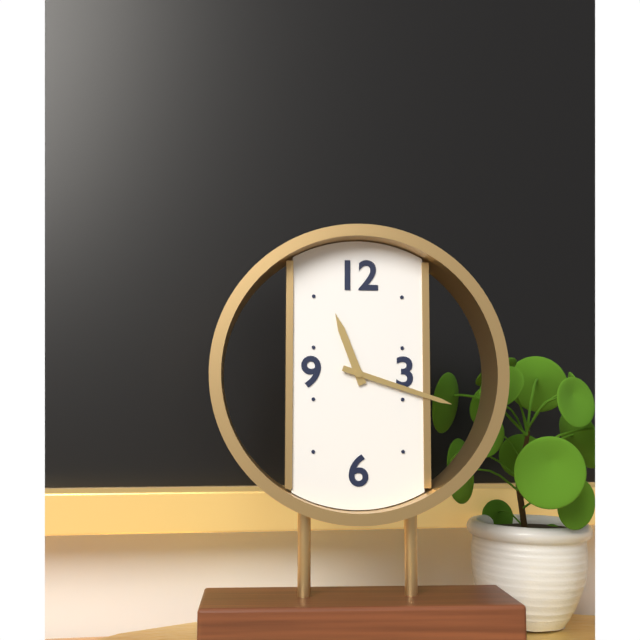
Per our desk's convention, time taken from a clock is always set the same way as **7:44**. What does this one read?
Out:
**11:18**
